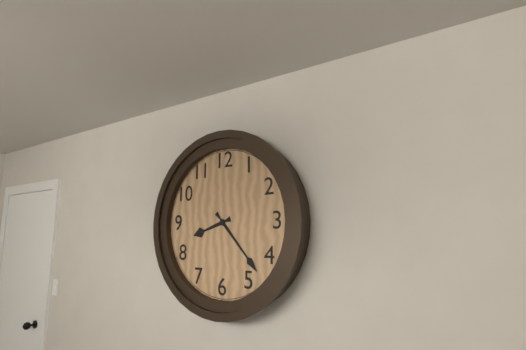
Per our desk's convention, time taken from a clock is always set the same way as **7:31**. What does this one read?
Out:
**8:23**
